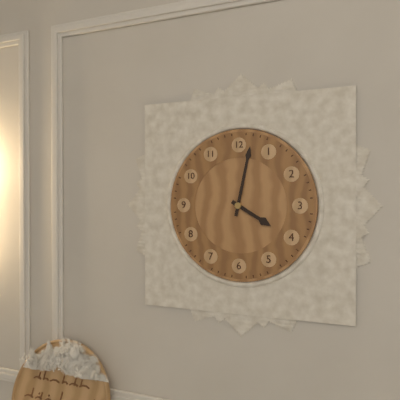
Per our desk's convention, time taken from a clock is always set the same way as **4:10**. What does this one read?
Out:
**4:02**
